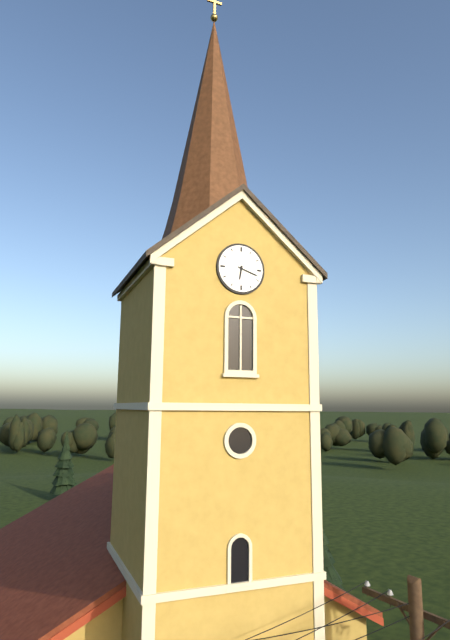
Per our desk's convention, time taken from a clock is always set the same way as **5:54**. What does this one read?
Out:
**6:18**
